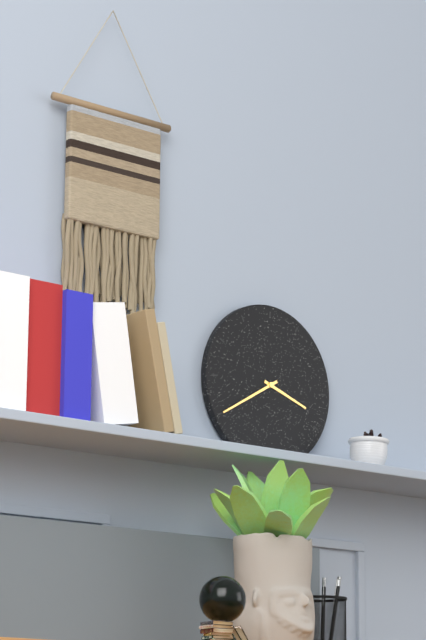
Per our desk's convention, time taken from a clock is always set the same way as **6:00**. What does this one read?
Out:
**3:40**
